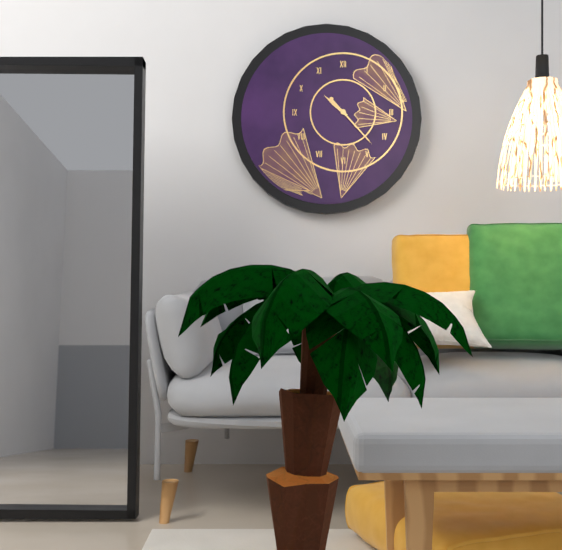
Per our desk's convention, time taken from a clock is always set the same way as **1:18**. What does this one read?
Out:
**10:23**
